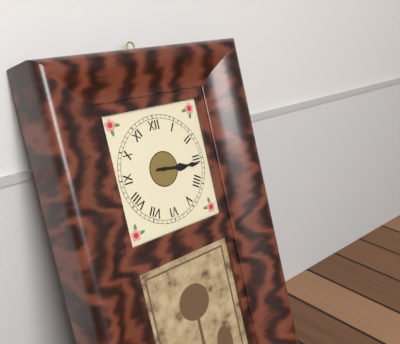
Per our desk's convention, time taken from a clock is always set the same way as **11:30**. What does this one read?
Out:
**3:16**
